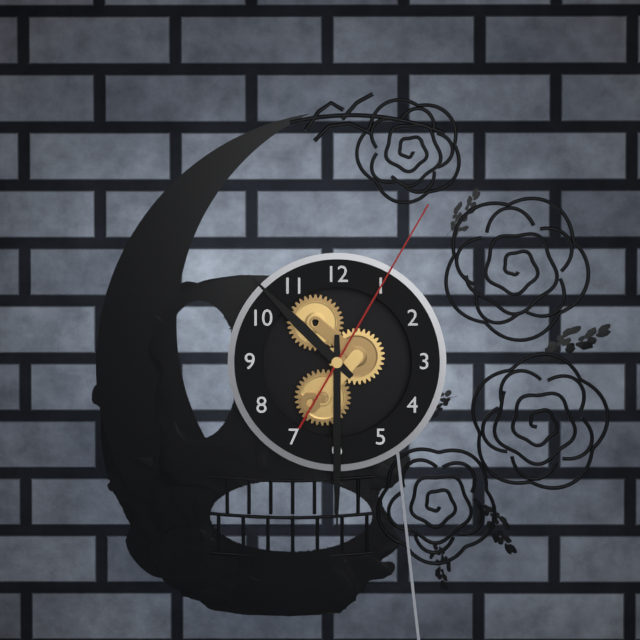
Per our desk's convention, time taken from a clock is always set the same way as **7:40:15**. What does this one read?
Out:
**10:30:05**
